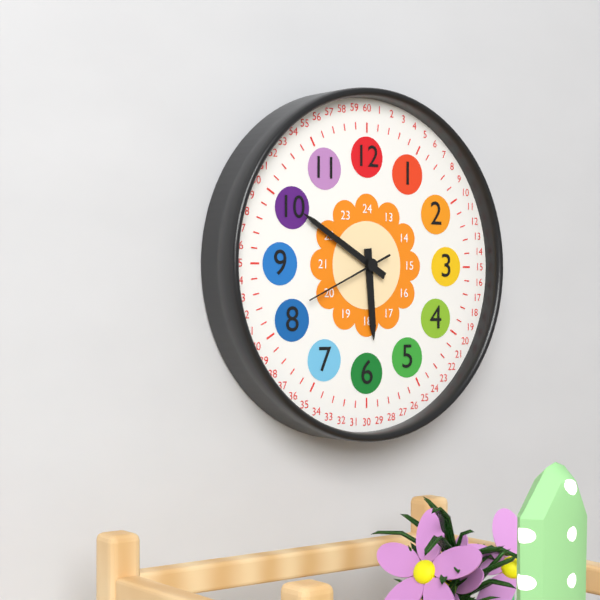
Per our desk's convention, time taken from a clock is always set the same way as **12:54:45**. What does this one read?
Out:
**5:50:41**
